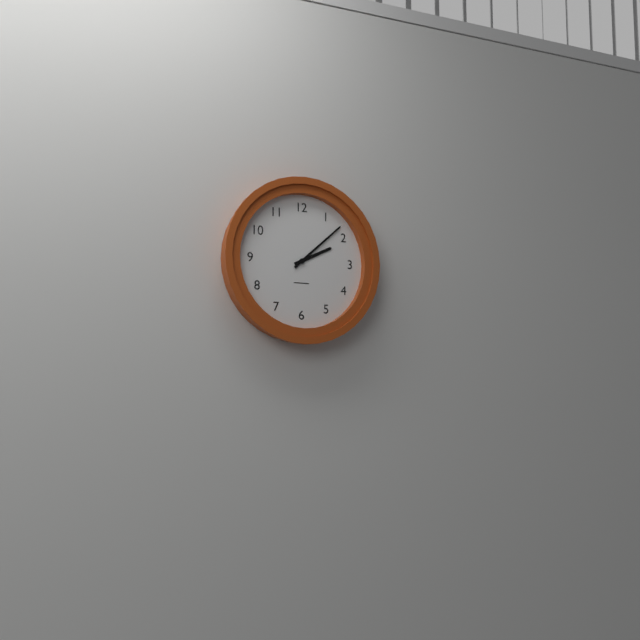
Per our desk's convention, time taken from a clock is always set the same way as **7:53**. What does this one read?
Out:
**2:08**
